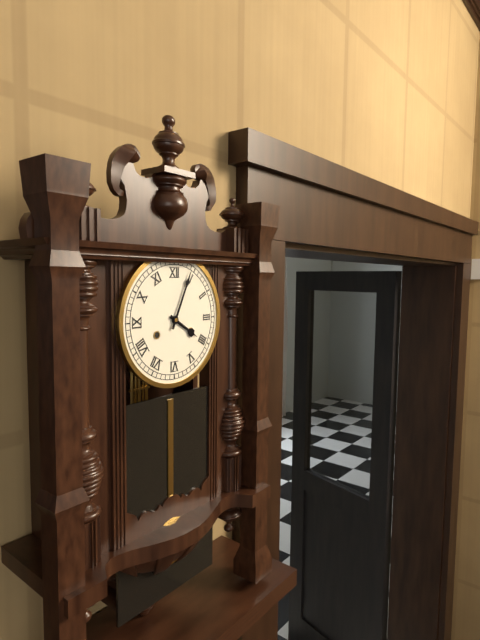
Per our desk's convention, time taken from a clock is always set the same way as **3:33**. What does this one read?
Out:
**4:04**
